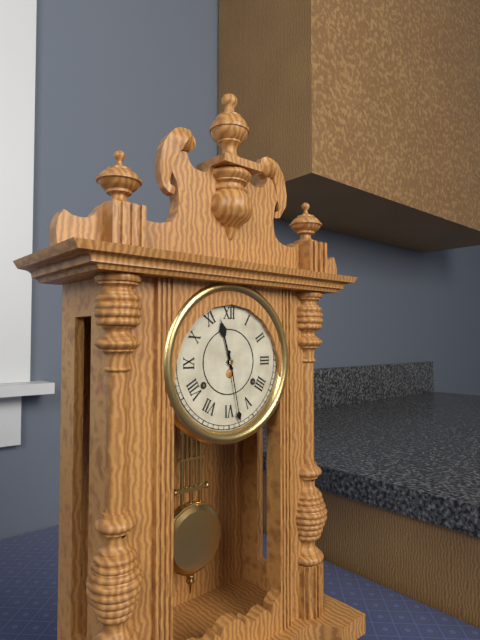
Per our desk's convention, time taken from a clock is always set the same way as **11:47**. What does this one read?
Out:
**11:28**
